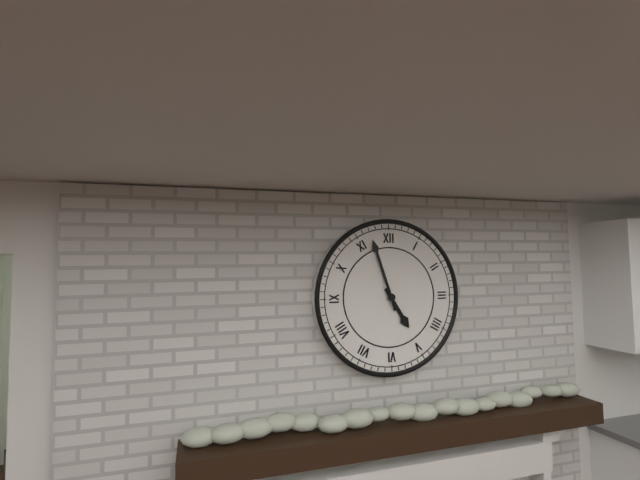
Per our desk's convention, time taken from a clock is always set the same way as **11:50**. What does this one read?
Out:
**4:57**
